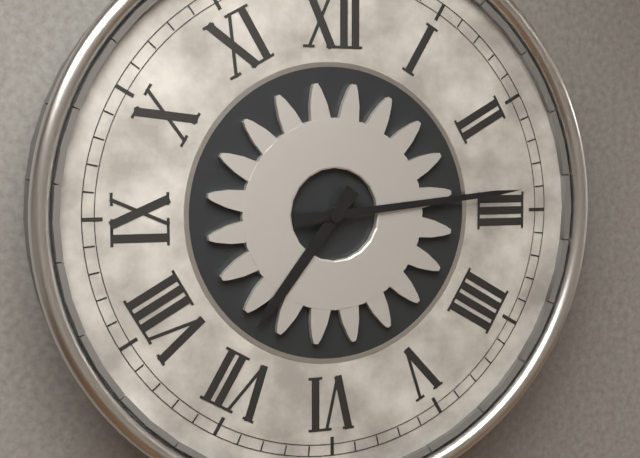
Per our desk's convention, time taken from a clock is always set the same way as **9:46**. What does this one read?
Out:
**7:14**
